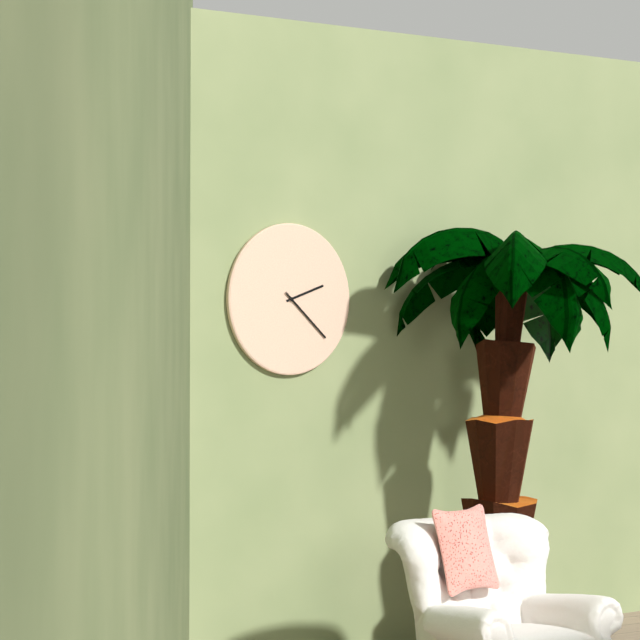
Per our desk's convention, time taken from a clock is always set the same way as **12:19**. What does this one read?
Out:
**2:22**
